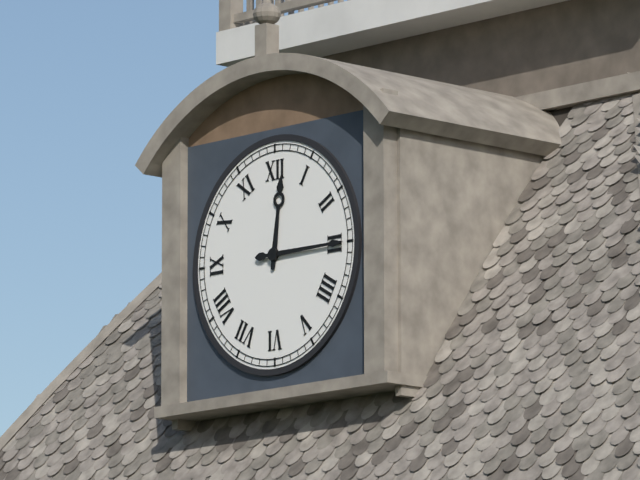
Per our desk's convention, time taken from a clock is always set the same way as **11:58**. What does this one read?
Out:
**12:15**
